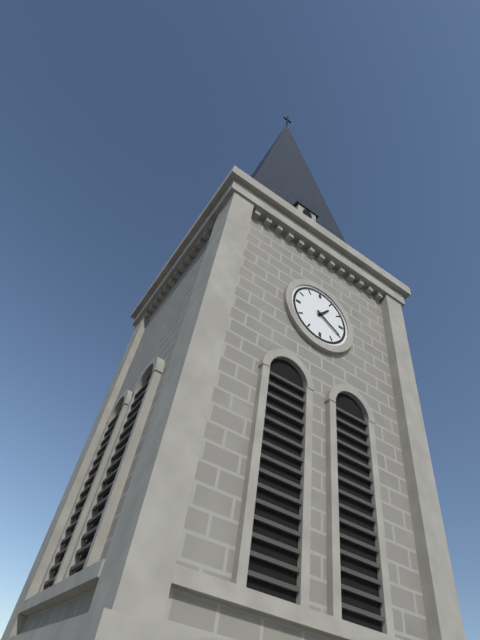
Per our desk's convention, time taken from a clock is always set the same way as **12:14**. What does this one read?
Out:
**1:20**
